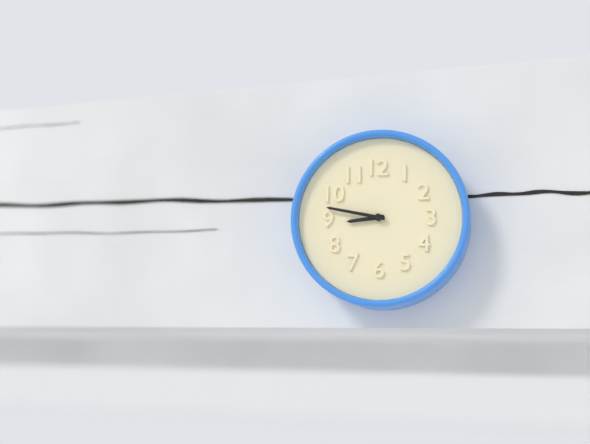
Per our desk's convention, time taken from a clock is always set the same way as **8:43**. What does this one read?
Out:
**8:47**
